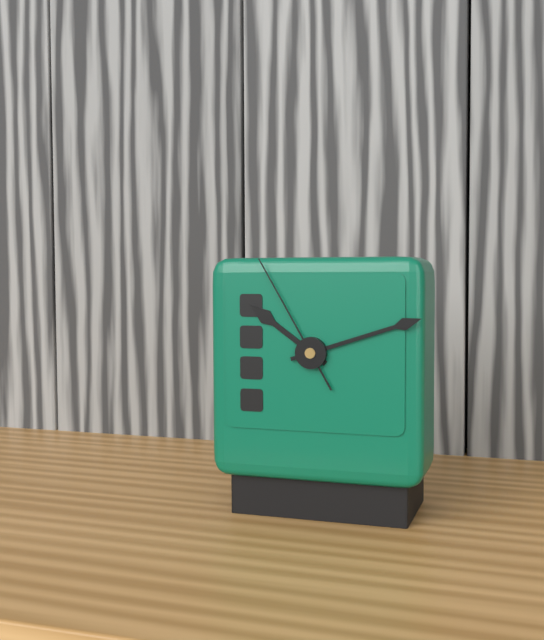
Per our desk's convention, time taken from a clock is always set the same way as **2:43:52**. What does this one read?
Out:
**10:12:55**
